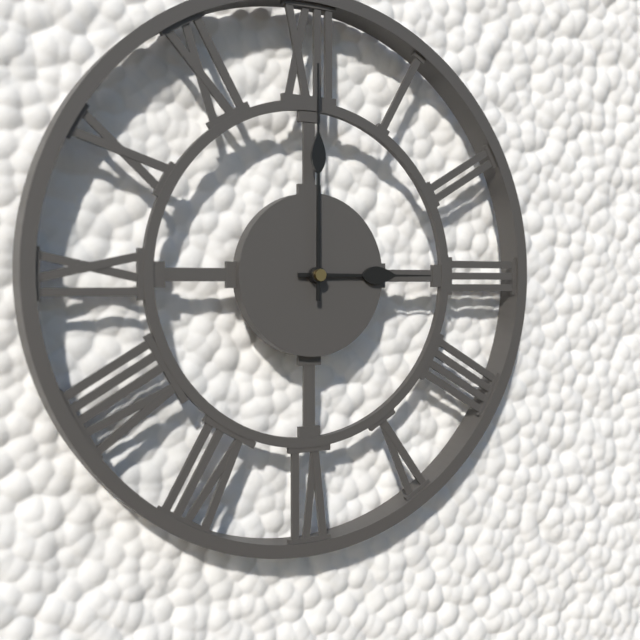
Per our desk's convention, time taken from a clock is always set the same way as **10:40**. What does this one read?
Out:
**3:00**
